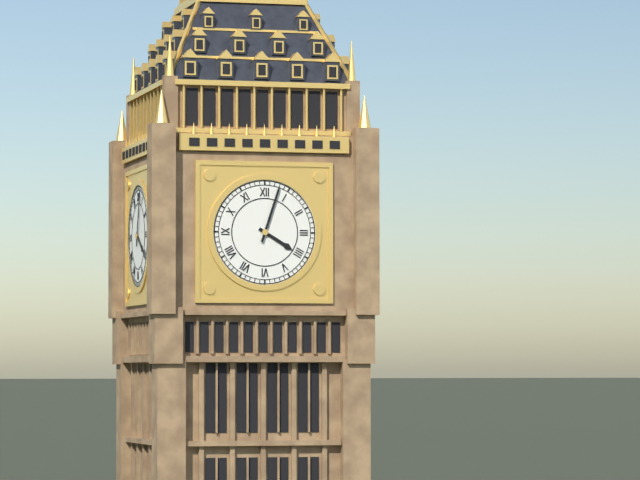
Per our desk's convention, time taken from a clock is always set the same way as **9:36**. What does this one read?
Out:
**4:03**
